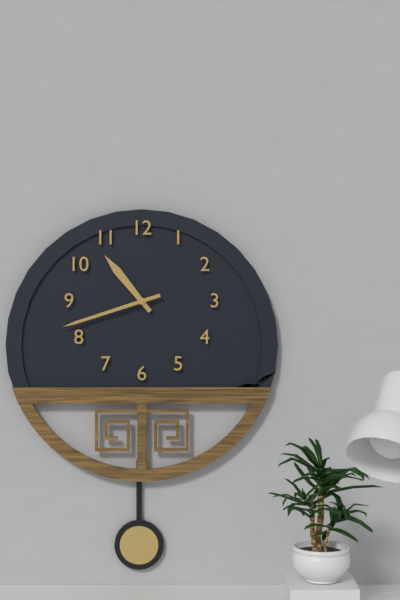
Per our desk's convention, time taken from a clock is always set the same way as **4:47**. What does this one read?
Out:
**10:42**
